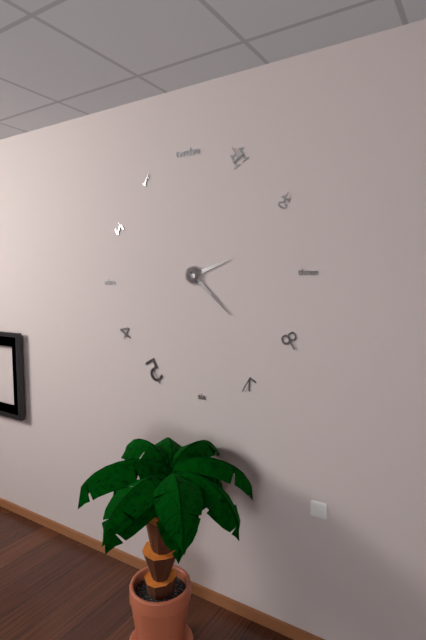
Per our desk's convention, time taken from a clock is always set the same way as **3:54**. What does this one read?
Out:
**2:22**
